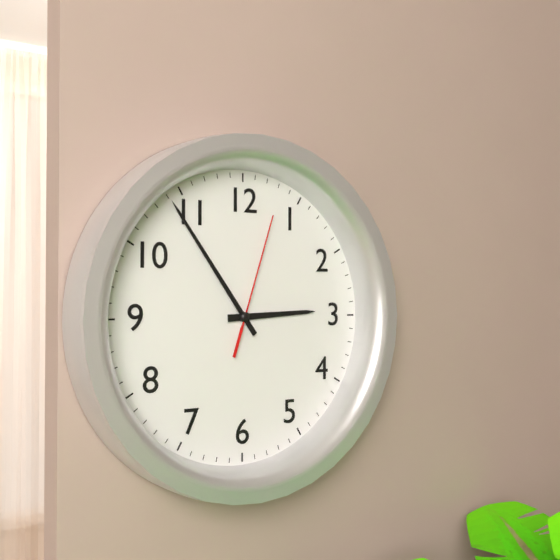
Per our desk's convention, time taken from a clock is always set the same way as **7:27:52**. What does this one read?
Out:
**2:54:03**
